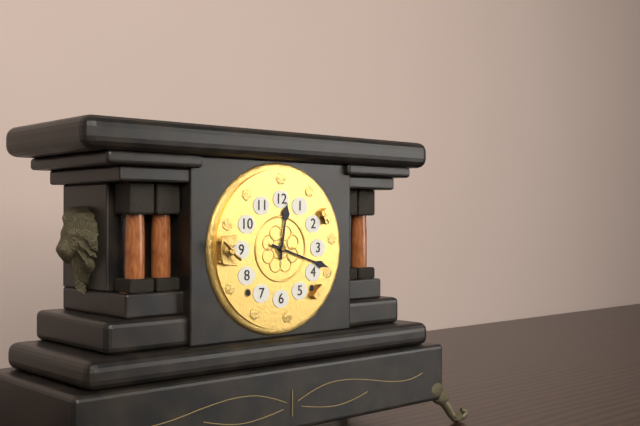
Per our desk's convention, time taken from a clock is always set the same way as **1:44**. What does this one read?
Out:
**12:18**
